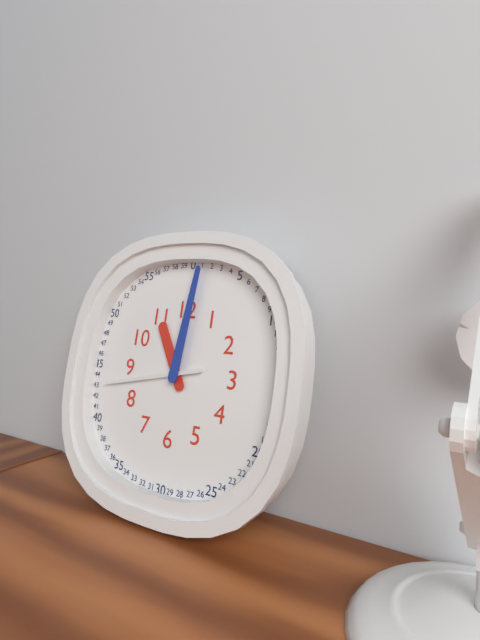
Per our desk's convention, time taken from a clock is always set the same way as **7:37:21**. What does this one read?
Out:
**11:01:43**
